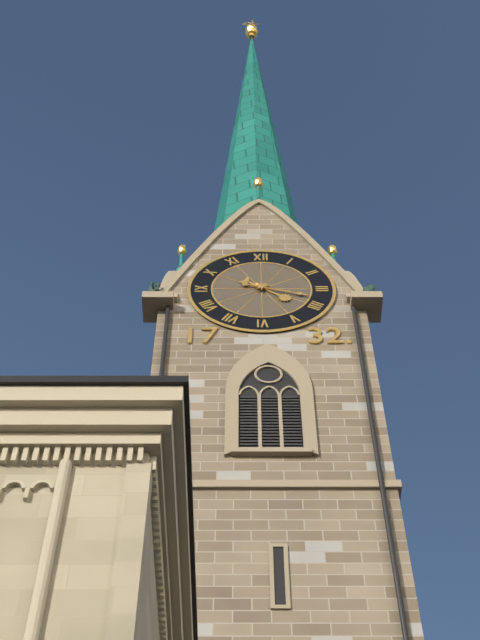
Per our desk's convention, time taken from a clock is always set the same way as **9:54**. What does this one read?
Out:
**4:18**
